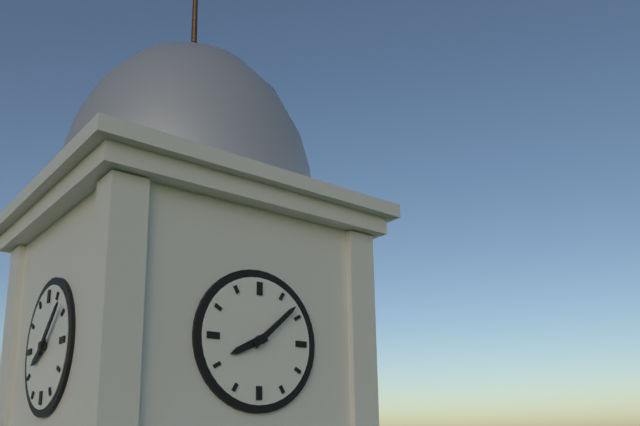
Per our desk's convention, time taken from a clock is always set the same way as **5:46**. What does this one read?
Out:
**8:08**
